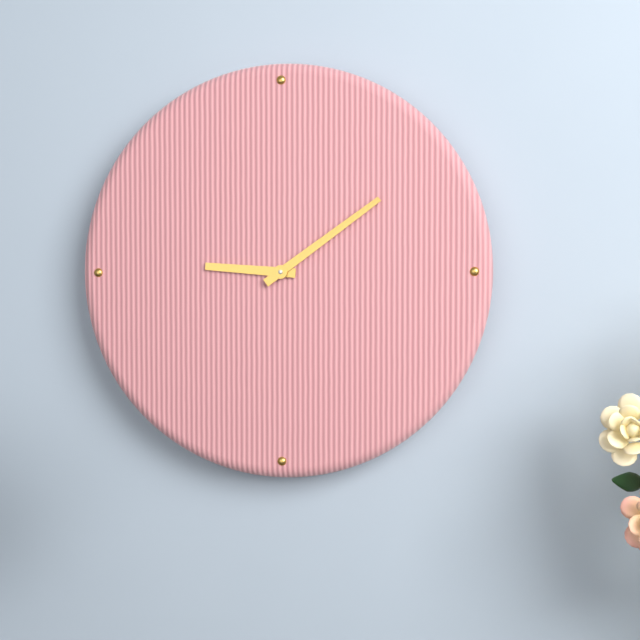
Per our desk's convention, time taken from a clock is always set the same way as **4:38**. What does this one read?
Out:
**9:09**
